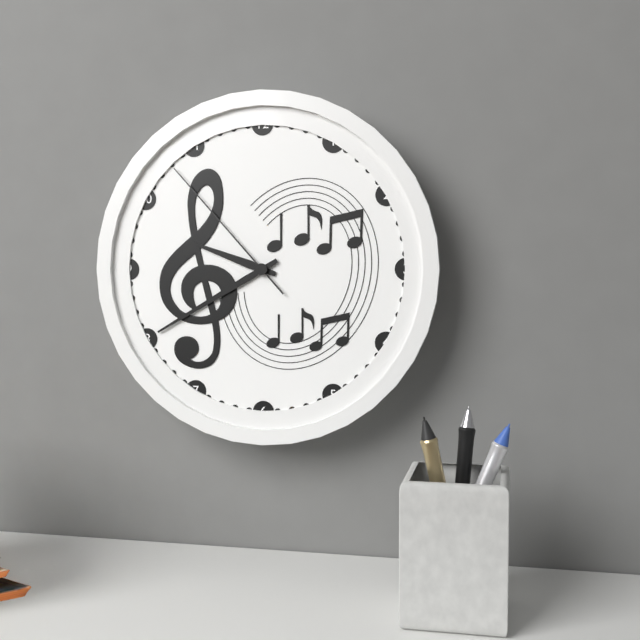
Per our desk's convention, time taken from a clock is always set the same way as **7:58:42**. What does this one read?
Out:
**9:40:53**
